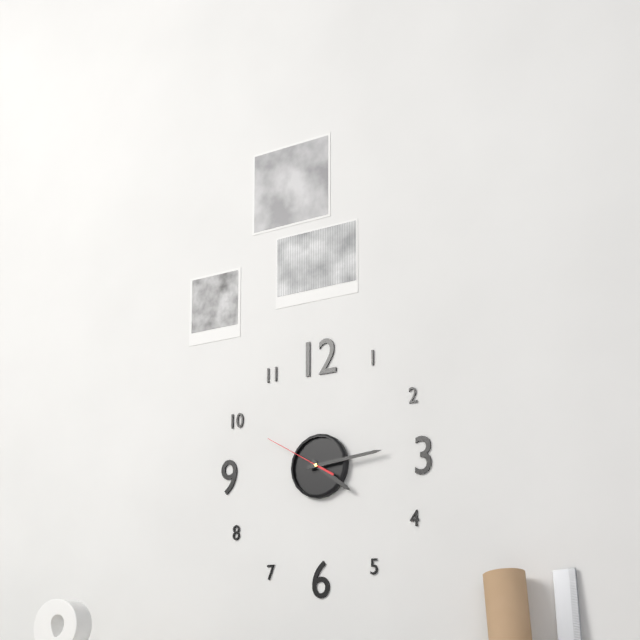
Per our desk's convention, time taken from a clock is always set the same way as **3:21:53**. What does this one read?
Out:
**4:14:50**
